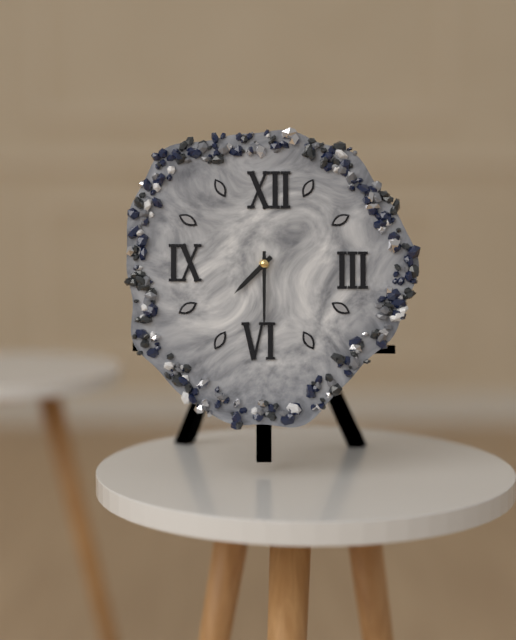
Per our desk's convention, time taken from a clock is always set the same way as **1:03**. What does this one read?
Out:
**7:30**
